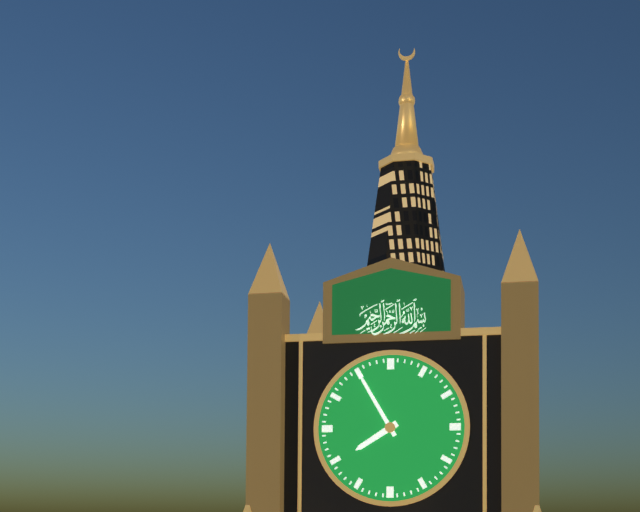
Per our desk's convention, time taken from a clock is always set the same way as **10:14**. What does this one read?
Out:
**7:55**
